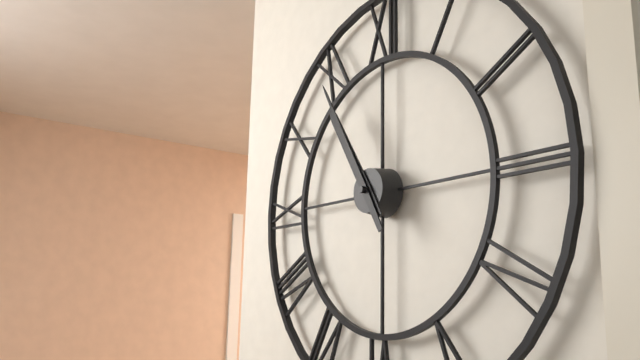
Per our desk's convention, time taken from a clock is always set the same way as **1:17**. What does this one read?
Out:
**10:55**
